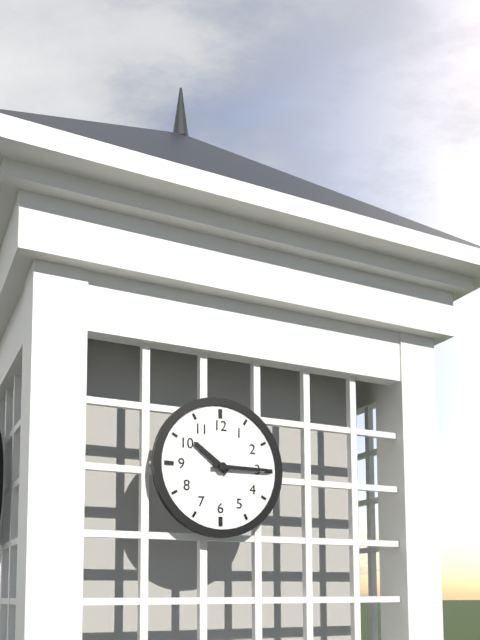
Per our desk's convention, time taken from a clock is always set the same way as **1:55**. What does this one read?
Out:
**10:15**
